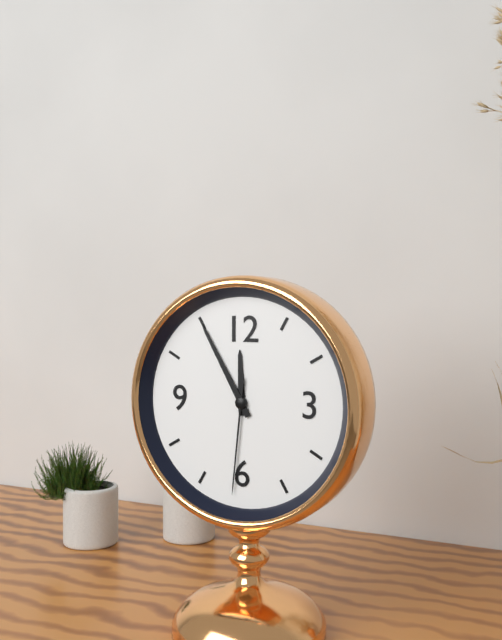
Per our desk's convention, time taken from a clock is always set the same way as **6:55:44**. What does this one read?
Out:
**11:55:31**
